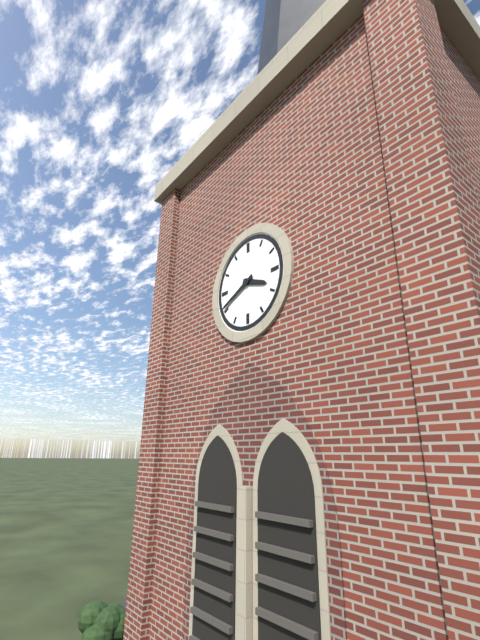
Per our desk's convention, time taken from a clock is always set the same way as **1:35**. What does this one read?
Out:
**3:41**
